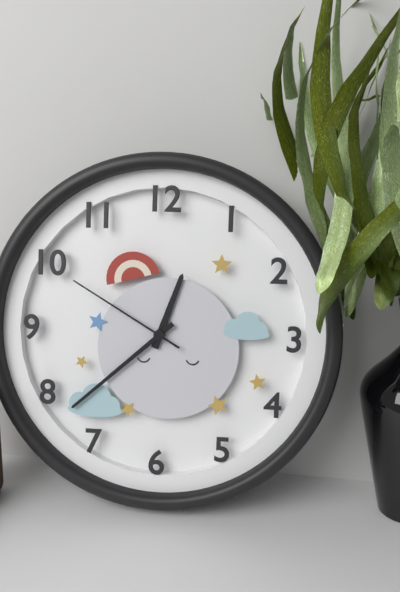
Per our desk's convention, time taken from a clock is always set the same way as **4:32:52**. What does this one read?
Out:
**12:38:50**
